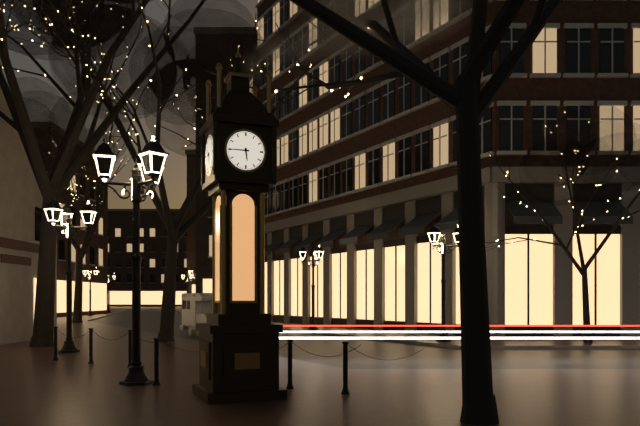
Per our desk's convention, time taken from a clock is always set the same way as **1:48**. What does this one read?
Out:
**5:45**
